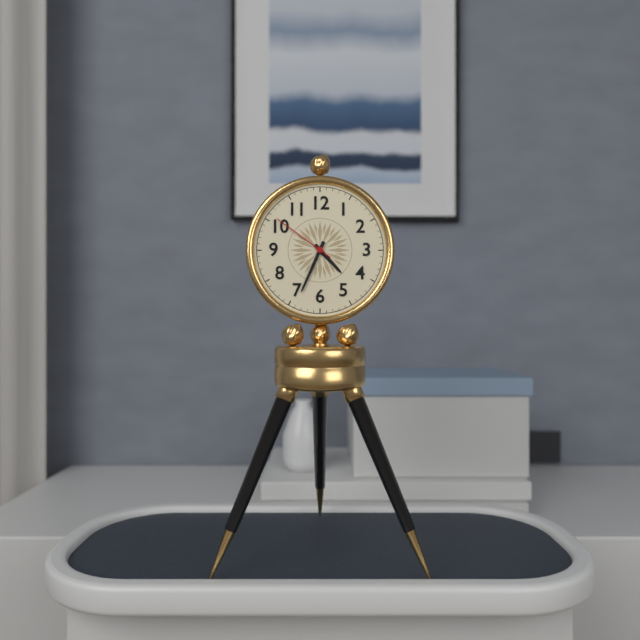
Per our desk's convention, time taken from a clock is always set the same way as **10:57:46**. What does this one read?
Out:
**4:34:51**
